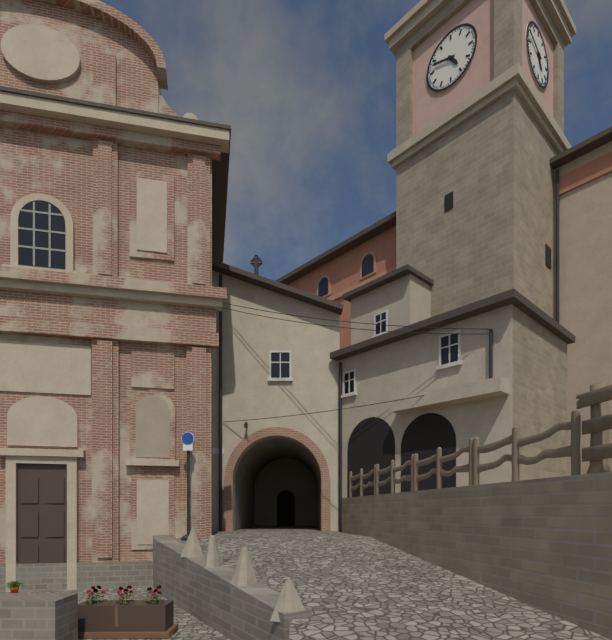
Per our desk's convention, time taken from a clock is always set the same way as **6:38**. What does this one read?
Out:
**4:48**
